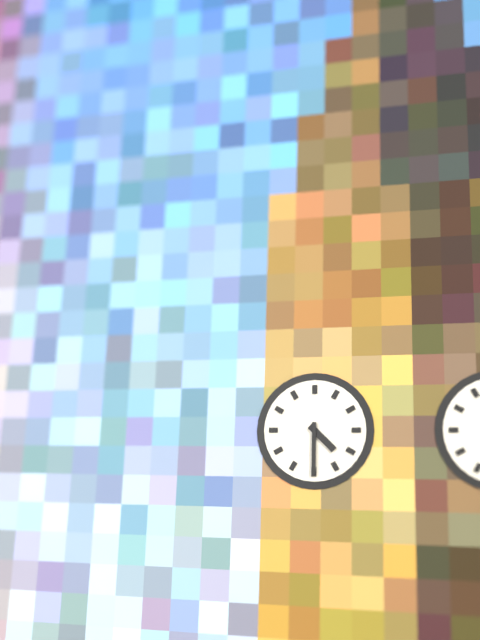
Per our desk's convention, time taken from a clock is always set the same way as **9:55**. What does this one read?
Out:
**4:30**
